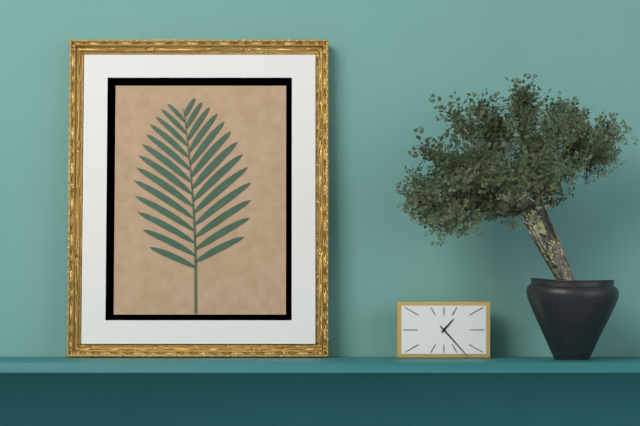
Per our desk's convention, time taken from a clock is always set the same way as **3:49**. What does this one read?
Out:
**1:23**
